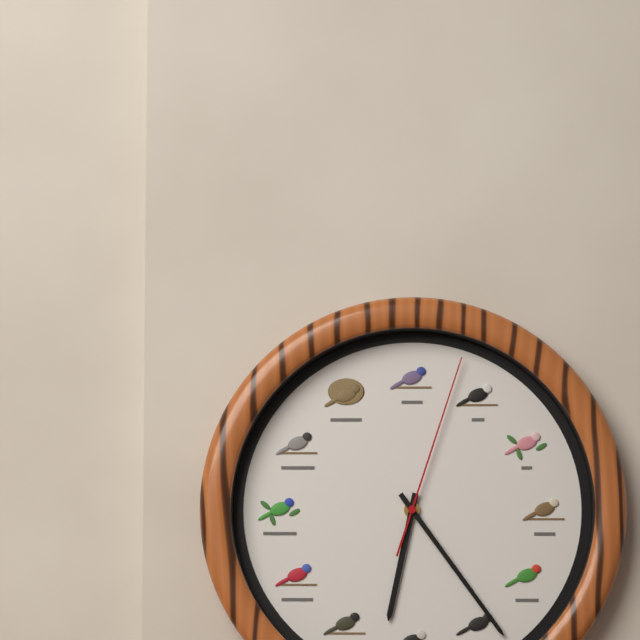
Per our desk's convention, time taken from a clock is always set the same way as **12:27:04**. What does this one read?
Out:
**6:24:03**
